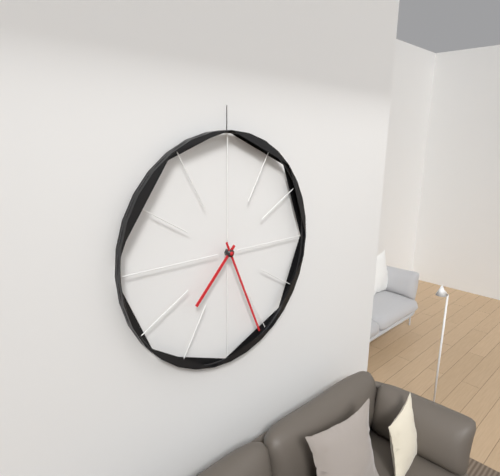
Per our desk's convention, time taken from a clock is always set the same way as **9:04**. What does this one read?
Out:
**7:26**
